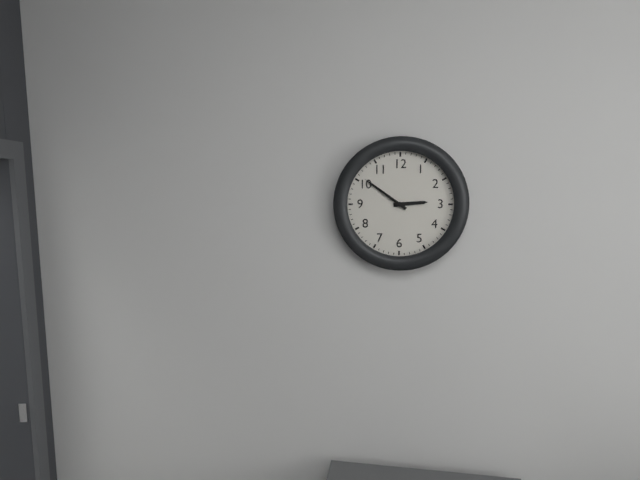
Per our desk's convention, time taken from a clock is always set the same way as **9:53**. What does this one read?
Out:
**2:51**
